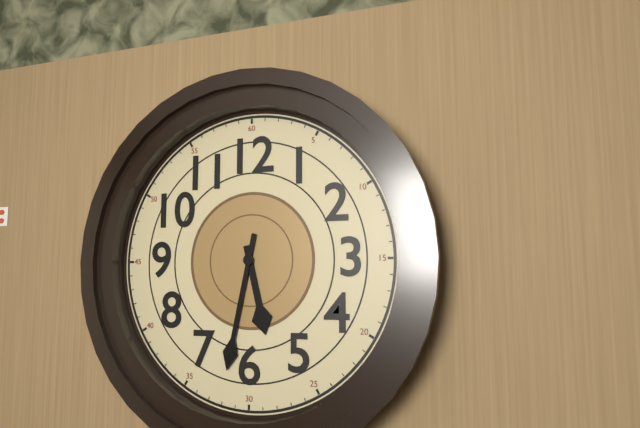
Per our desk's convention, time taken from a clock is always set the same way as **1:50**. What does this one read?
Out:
**5:32**
